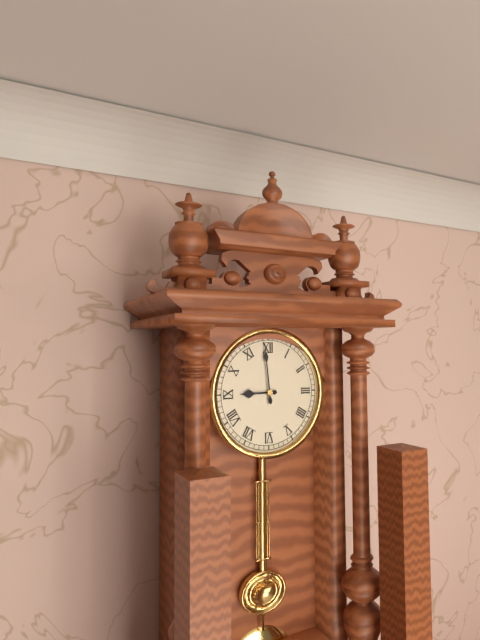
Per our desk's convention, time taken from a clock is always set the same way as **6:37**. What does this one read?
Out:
**8:59**
